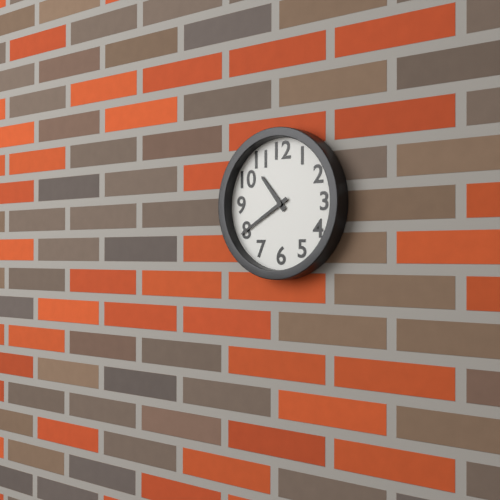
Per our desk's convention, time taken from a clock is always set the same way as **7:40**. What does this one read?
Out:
**10:40**
